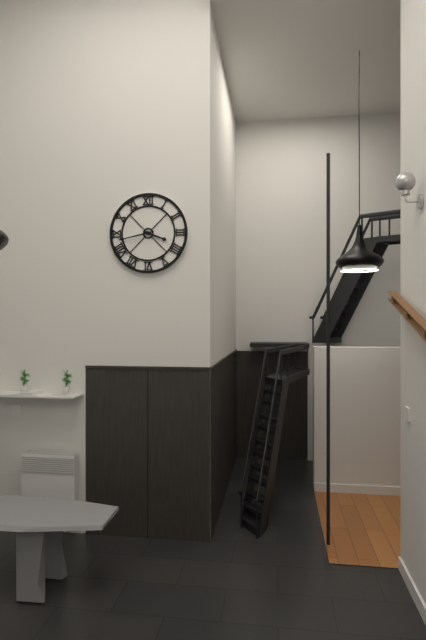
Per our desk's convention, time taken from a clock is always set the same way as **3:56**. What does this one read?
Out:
**3:43**
